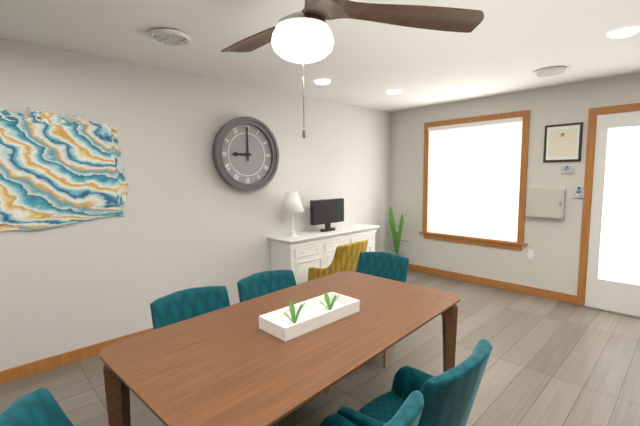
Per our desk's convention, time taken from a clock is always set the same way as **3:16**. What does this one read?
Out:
**9:00**
